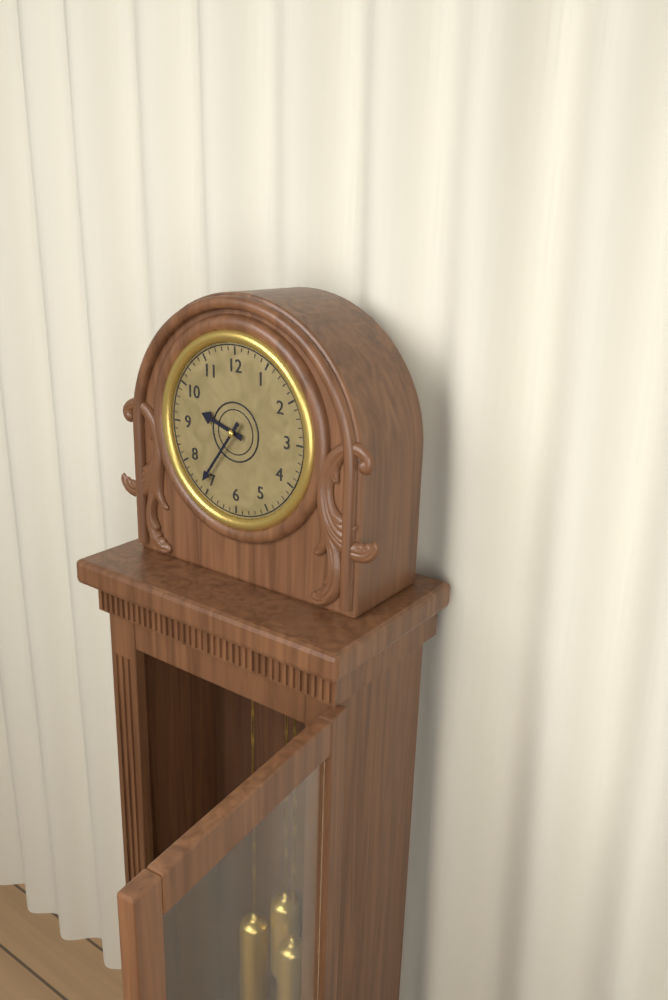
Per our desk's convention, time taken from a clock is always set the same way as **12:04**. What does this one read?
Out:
**9:36**
